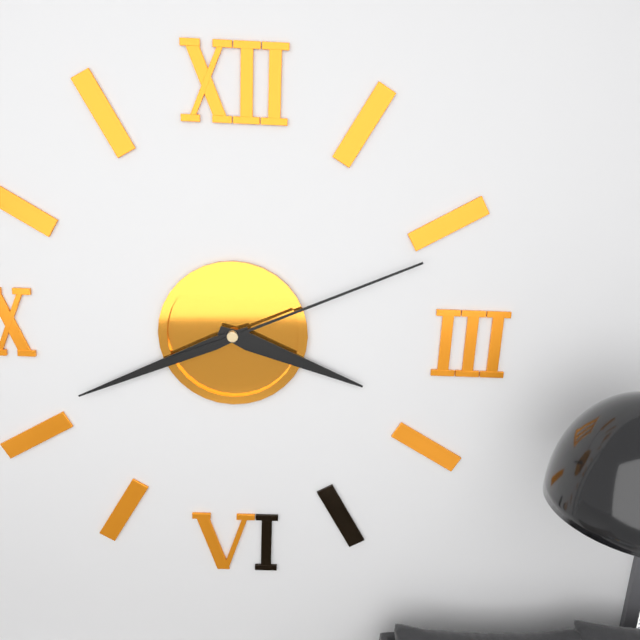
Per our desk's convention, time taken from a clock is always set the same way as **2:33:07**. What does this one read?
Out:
**3:41:11**
